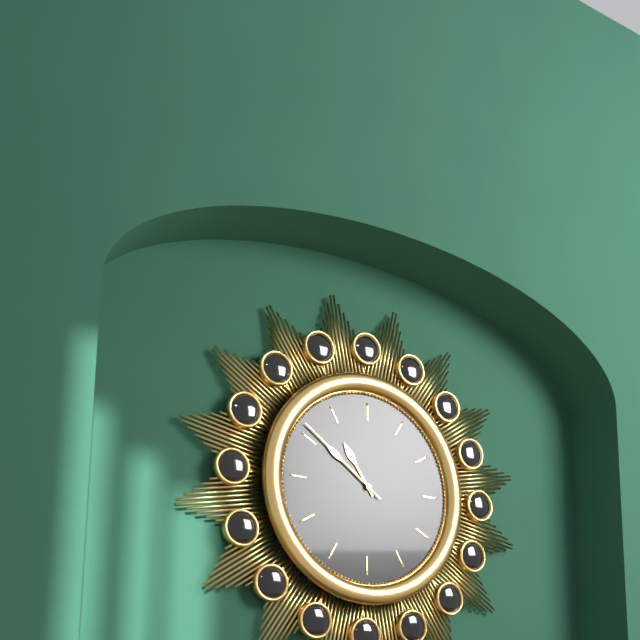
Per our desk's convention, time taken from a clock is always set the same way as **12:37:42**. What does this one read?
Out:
**10:51:51**
